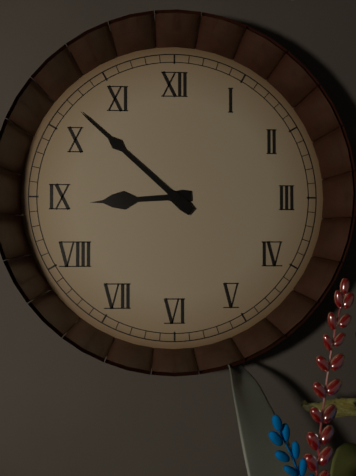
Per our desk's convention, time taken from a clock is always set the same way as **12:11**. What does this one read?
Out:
**8:52**
